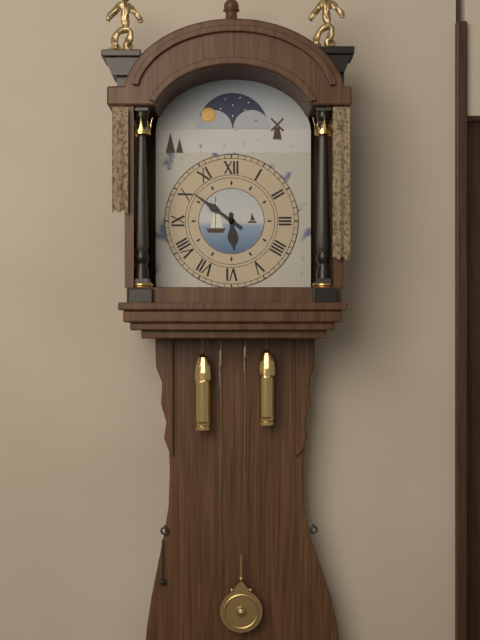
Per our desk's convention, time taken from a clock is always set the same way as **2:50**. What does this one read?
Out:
**5:51**
